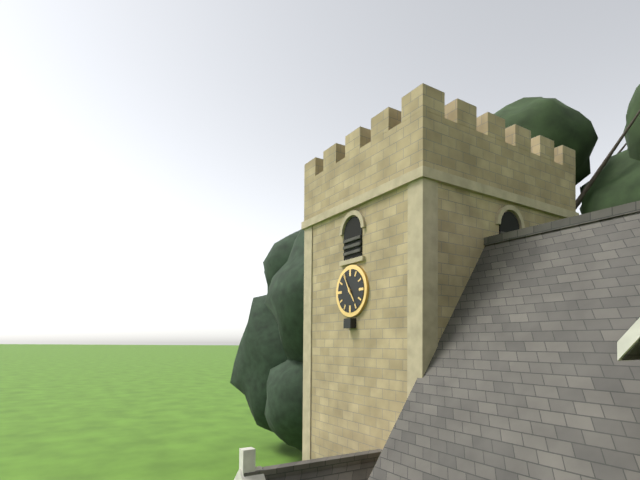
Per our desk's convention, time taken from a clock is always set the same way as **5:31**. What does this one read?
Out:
**4:55**
